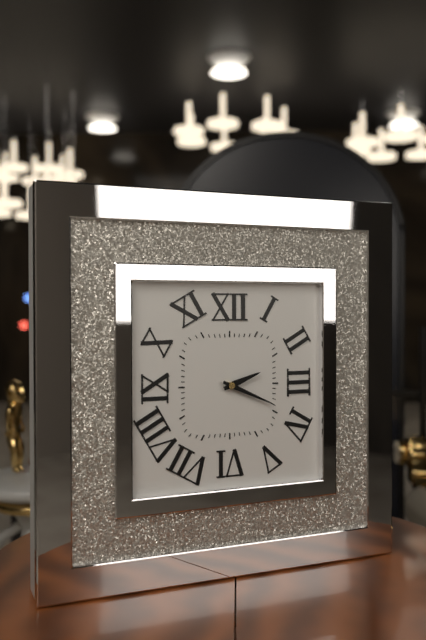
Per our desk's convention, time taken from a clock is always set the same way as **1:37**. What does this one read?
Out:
**2:19**
